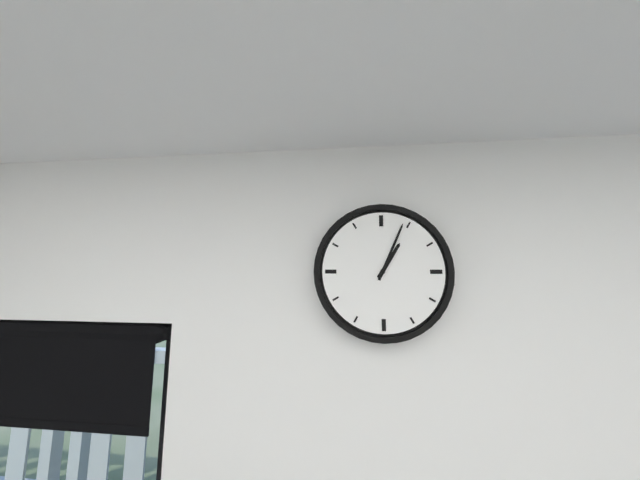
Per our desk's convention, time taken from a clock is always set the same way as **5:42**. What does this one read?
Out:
**1:04**
